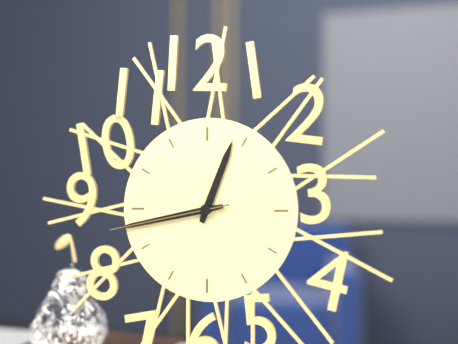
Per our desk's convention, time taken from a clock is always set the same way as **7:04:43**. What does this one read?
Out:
**12:43:43**
